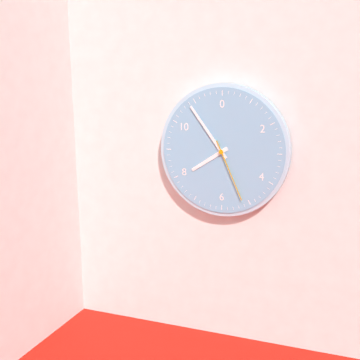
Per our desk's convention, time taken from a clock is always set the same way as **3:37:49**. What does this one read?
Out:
**7:54:26**
